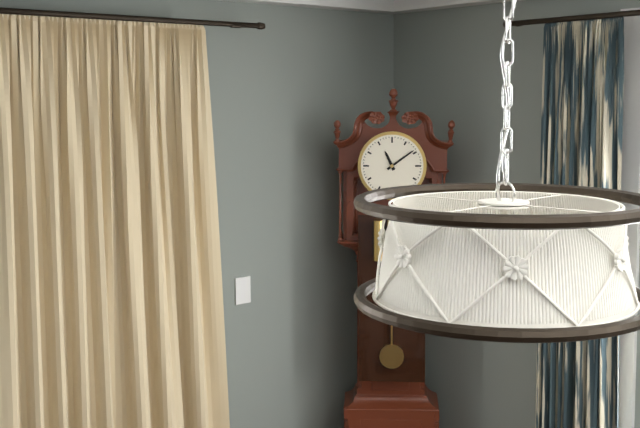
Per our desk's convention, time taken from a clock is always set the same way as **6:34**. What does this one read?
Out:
**11:09**
